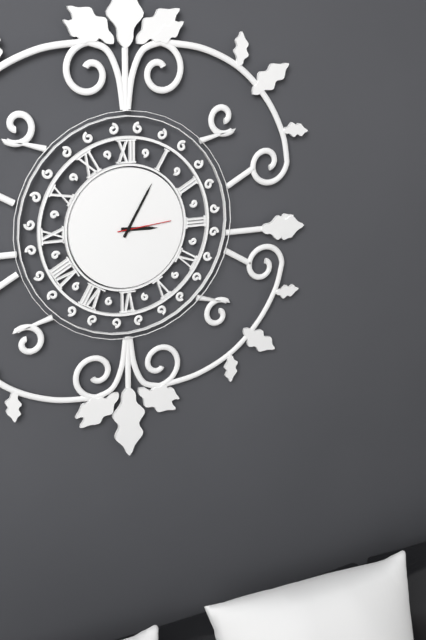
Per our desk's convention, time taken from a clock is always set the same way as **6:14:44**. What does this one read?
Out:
**3:05:14**
